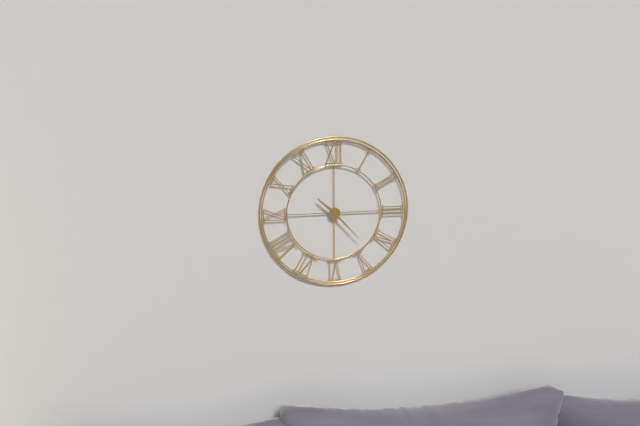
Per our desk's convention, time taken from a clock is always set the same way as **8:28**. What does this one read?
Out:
**10:23**
